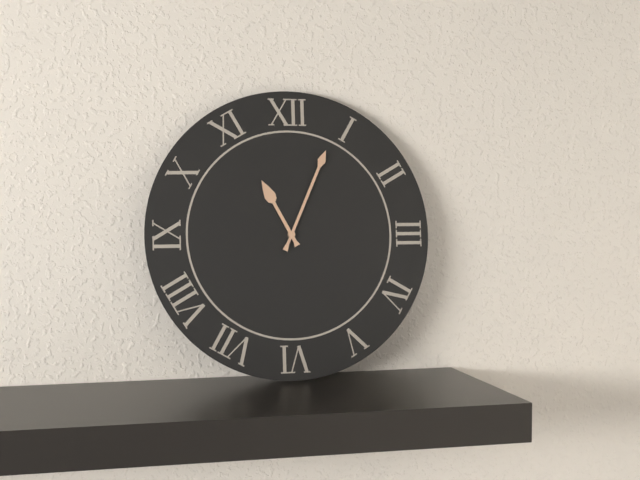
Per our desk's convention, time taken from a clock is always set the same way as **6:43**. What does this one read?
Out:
**11:04**
